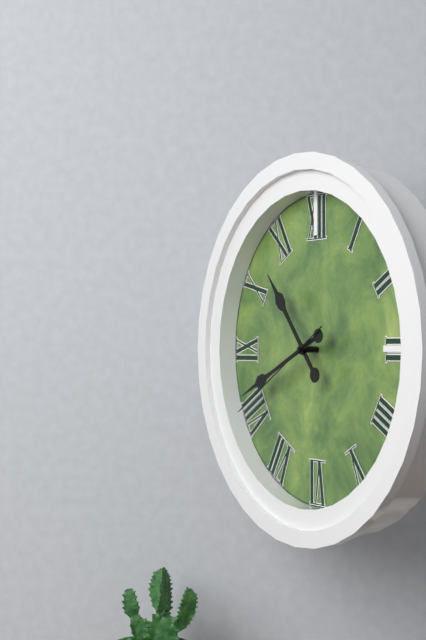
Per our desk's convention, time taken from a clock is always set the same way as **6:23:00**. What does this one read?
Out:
**10:41:40**
